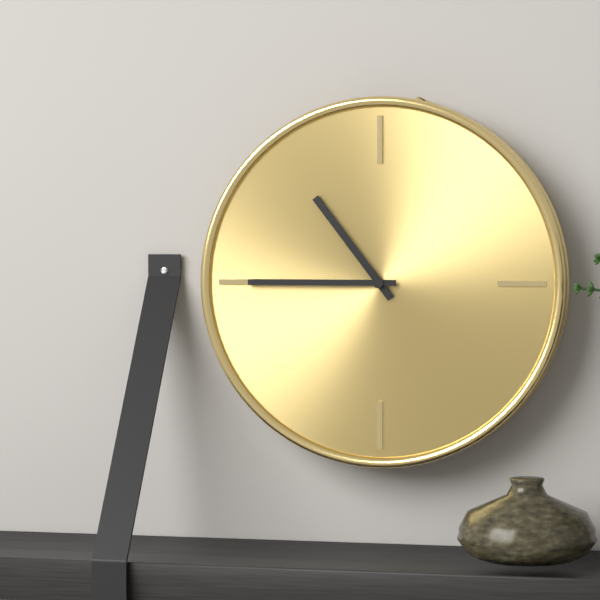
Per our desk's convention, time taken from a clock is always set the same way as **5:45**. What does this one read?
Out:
**10:45**
